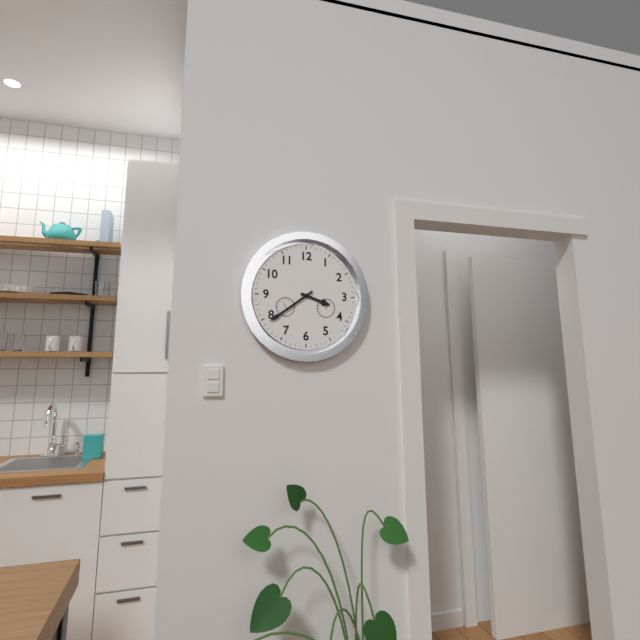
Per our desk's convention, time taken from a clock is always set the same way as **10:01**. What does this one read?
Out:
**3:39**
